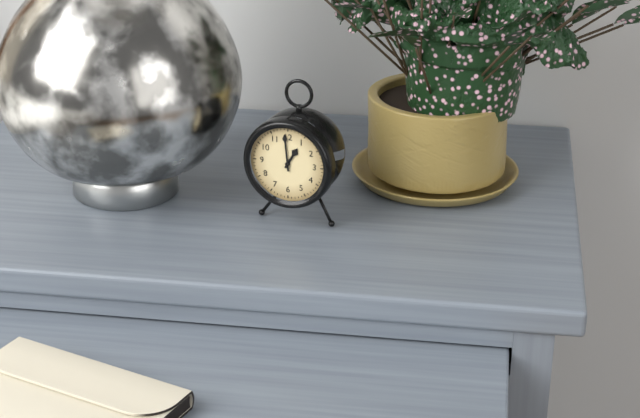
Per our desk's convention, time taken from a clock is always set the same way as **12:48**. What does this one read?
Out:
**12:59**
